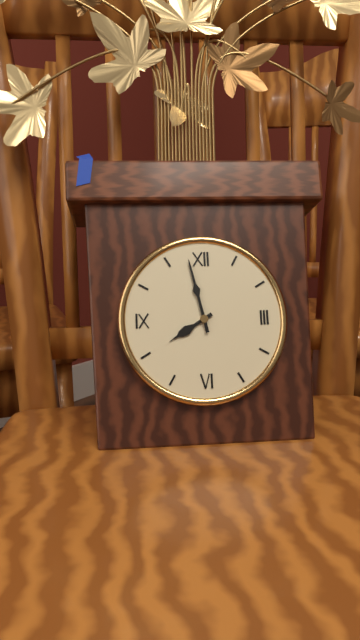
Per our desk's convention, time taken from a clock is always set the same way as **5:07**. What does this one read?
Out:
**7:58**
